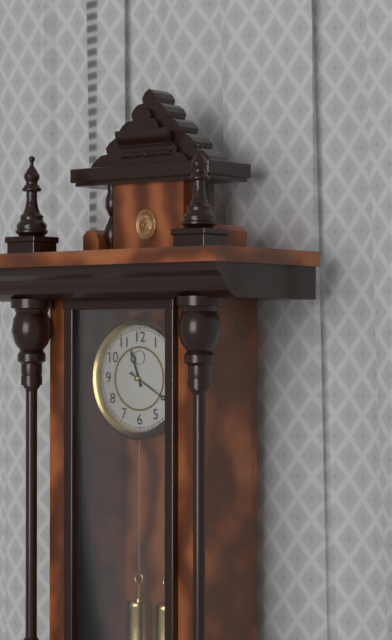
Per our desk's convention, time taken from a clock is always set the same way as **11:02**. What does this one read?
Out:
**11:20**
